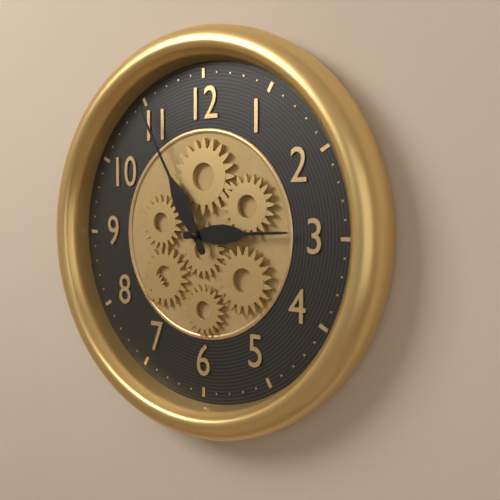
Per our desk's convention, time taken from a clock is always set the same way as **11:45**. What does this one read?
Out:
**2:55**
